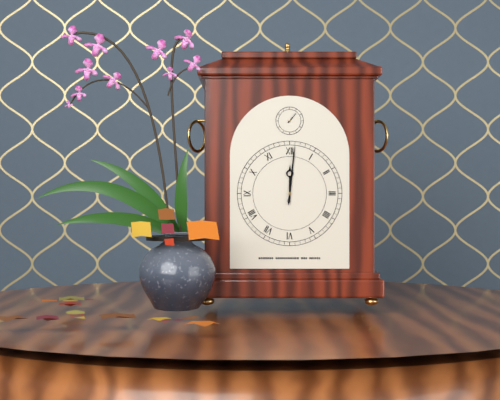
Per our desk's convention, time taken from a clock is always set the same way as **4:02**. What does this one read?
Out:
**12:01**
